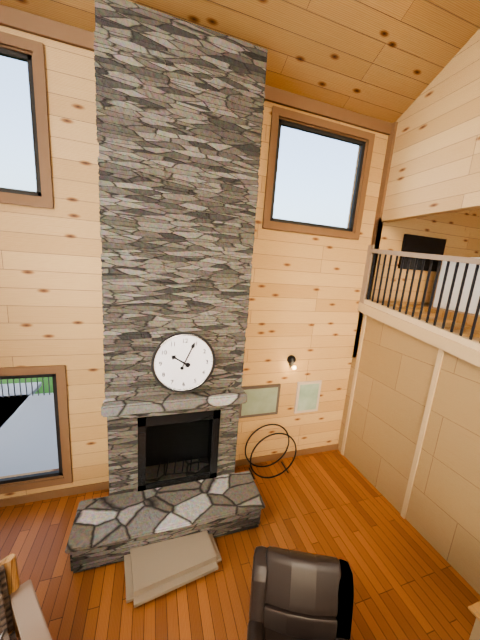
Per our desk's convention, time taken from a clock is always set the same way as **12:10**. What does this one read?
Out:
**10:04**
